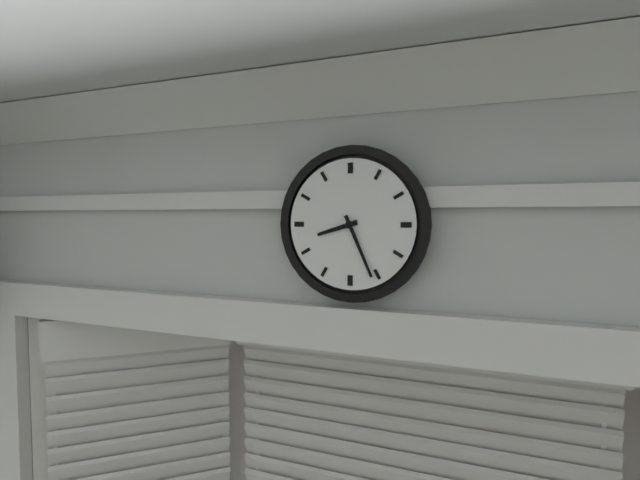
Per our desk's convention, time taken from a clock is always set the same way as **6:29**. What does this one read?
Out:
**8:26**
